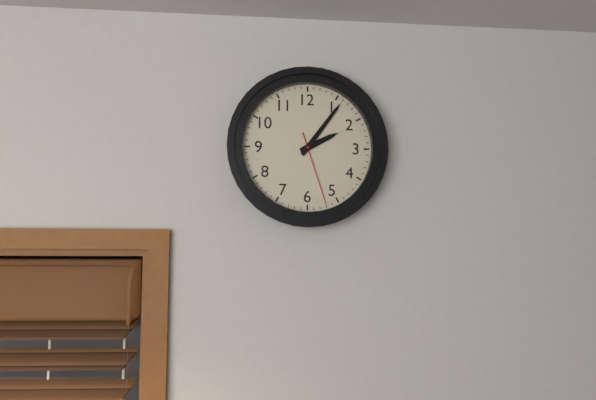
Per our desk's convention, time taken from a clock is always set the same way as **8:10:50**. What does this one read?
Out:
**2:06:27**
